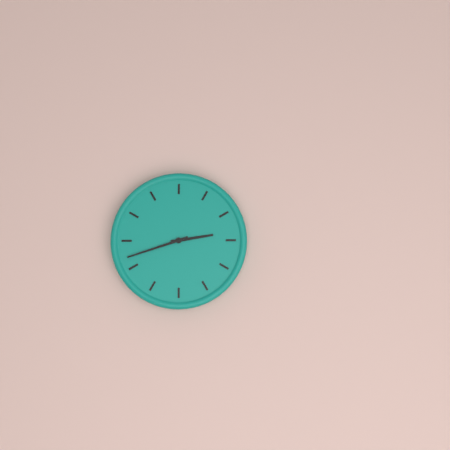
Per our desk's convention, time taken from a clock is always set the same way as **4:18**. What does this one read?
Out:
**2:42**
